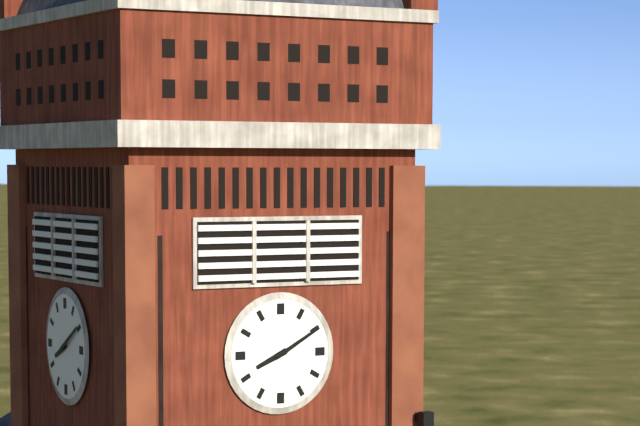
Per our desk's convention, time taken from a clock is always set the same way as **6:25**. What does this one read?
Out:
**8:10**
